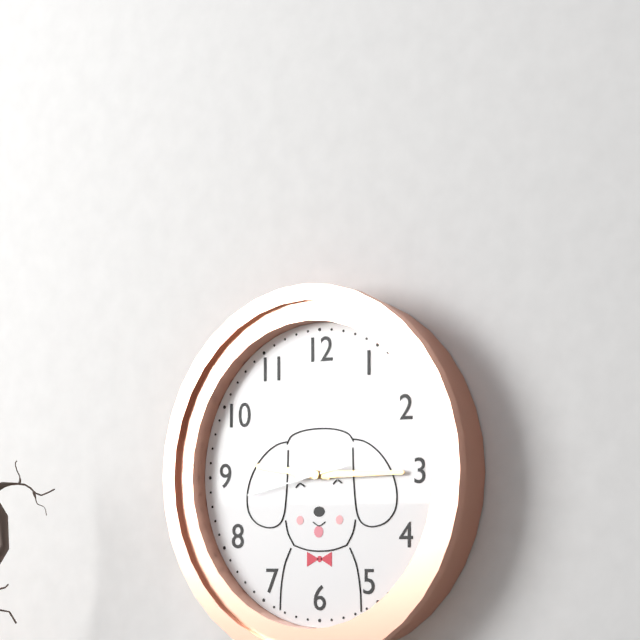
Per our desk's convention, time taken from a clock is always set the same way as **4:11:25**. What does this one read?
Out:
**9:15:43**
